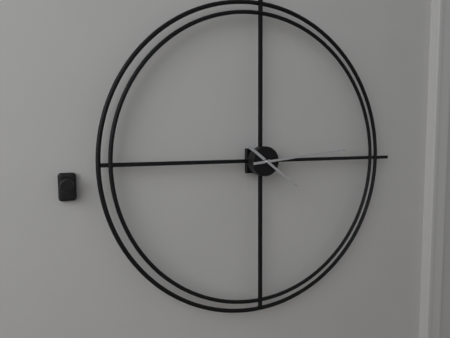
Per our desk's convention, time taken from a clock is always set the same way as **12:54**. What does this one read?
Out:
**4:14**
